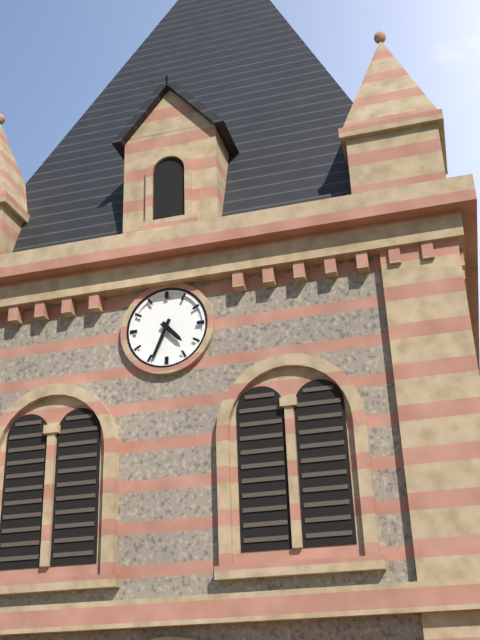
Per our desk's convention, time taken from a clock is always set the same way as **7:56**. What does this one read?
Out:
**4:34**
